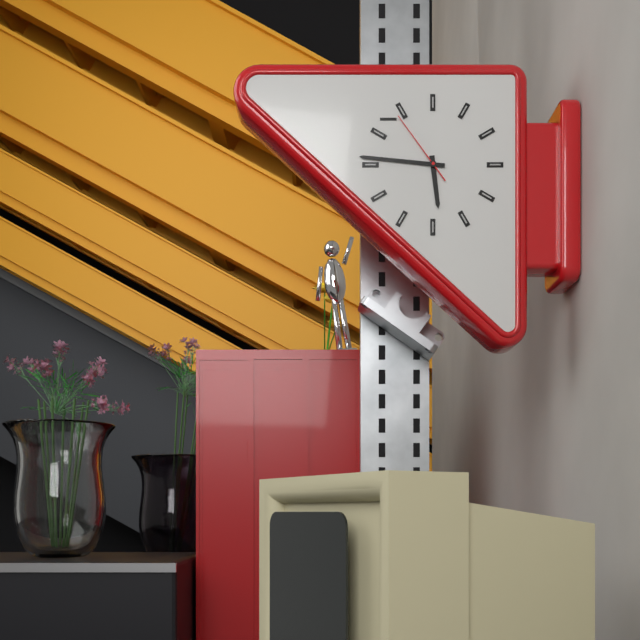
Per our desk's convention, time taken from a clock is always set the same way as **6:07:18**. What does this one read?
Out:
**5:46:54**
